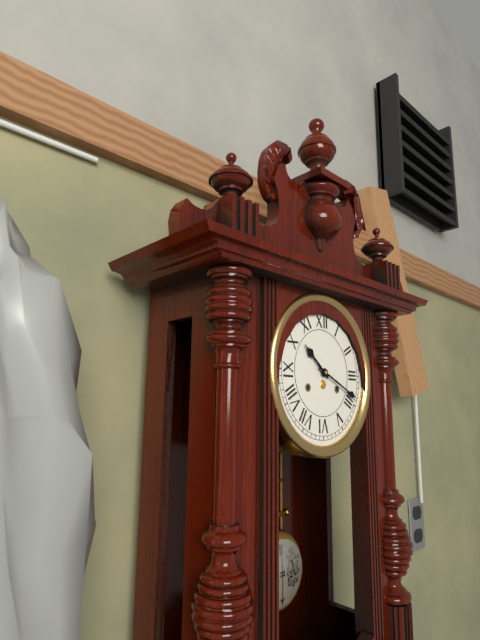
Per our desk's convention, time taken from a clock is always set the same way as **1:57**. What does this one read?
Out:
**10:19**
